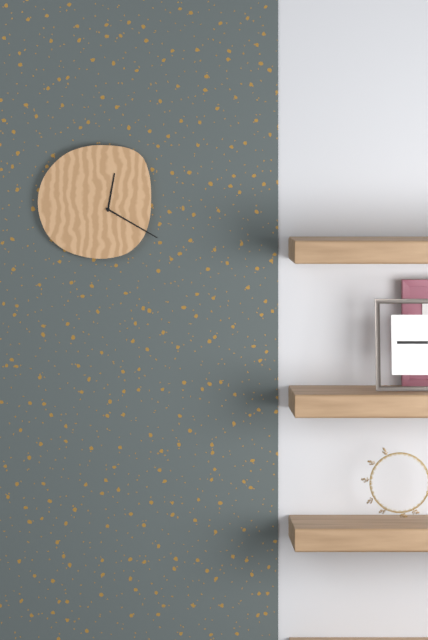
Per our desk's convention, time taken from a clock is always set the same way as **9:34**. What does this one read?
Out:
**12:20**
